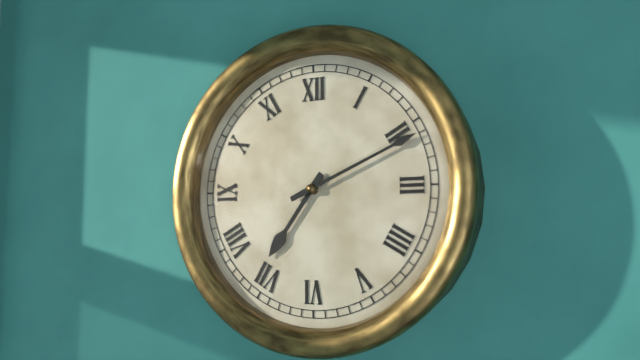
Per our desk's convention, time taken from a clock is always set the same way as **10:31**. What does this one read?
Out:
**7:11**
